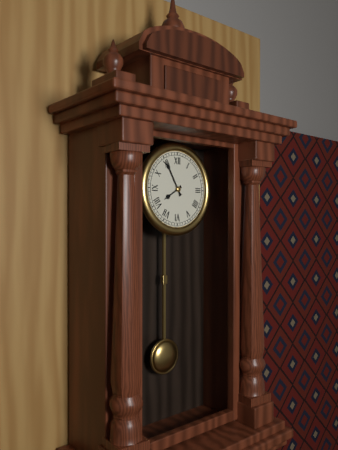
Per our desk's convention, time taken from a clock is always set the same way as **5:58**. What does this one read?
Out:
**7:55**
